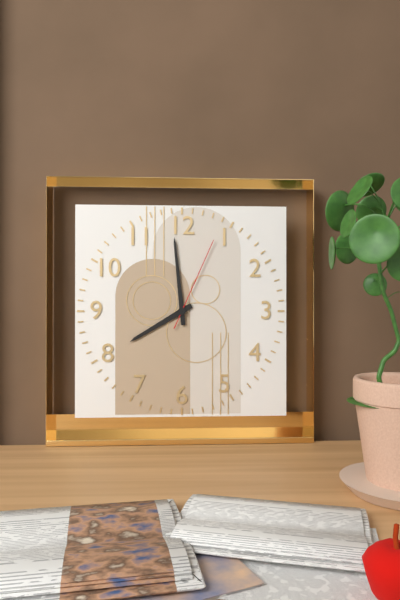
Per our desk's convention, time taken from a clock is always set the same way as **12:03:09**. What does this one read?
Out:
**7:59:04**
